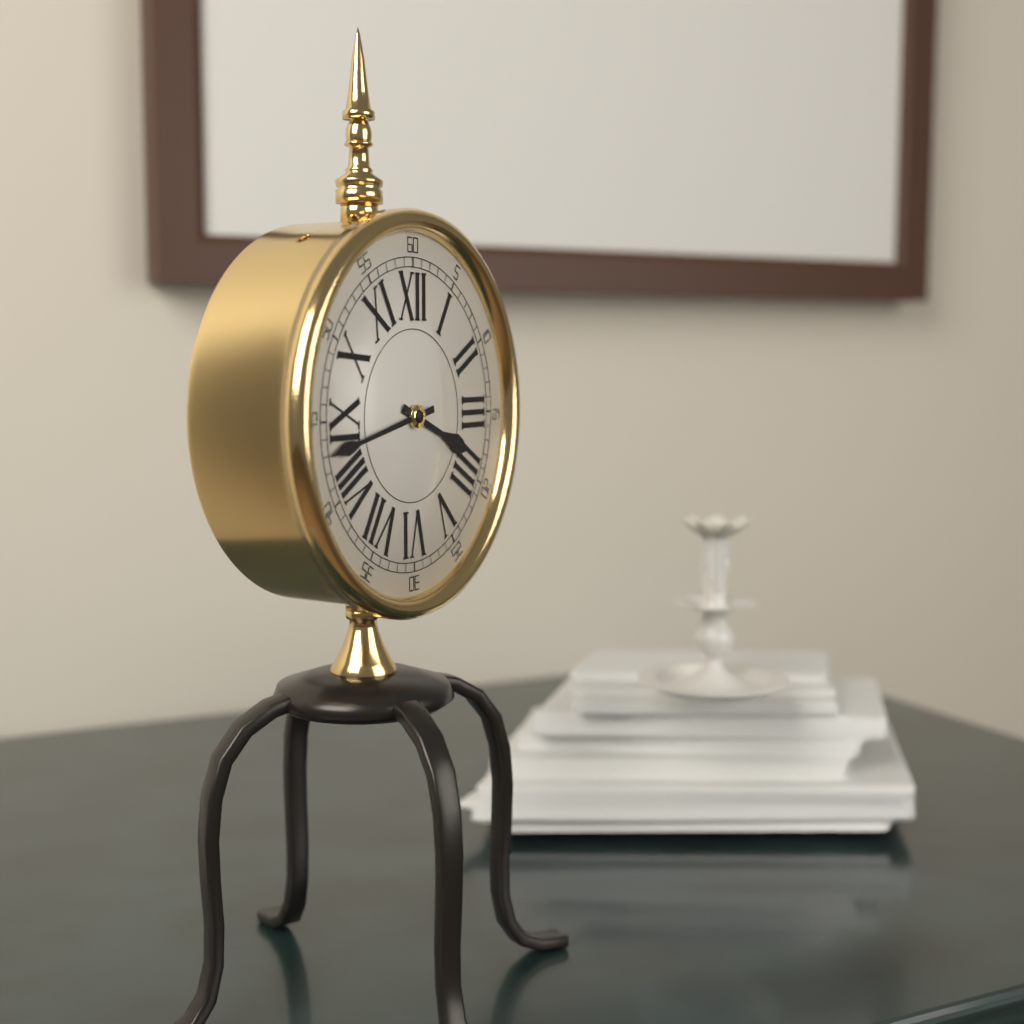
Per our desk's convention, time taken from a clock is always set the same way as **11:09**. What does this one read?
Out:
**3:43**
